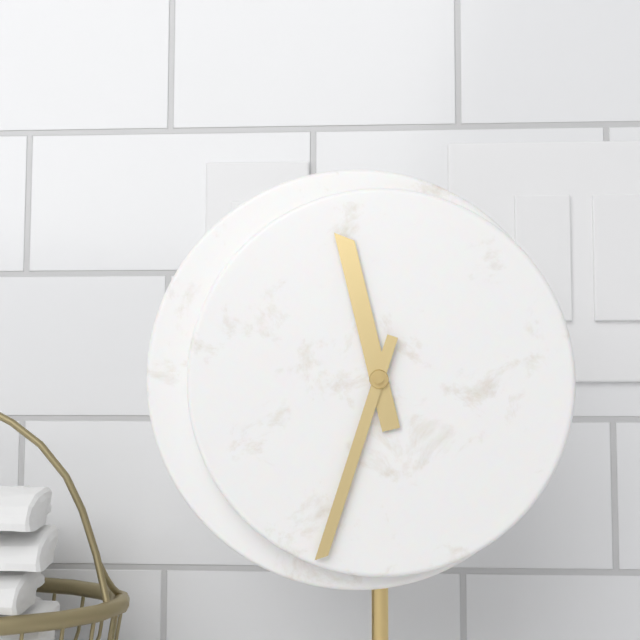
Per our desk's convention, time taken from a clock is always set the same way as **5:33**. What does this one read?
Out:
**11:33**
